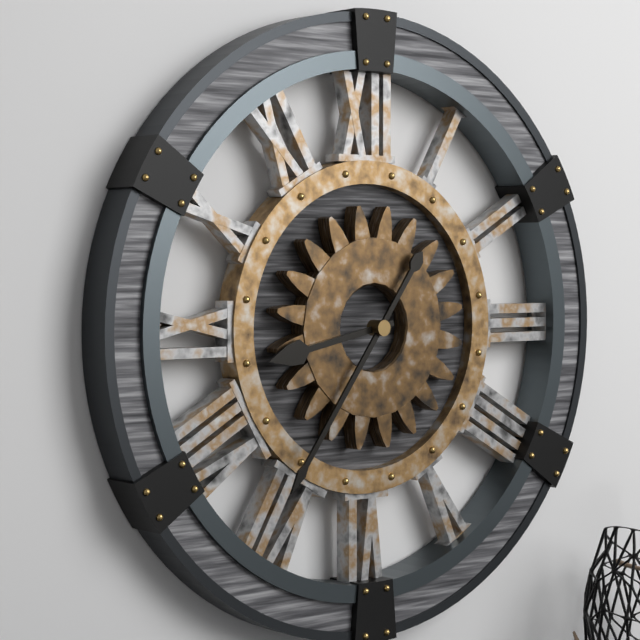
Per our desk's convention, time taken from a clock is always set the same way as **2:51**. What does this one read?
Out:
**8:36**
